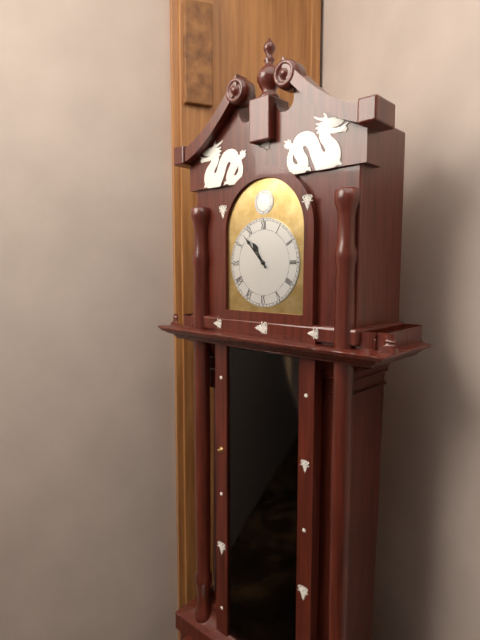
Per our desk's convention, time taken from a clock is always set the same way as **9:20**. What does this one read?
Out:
**10:53**
